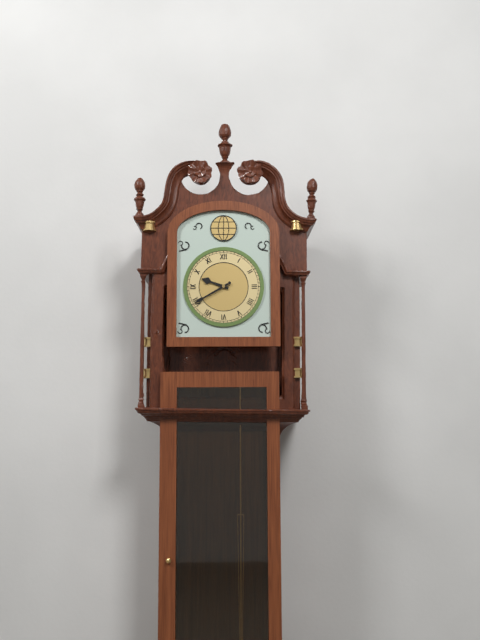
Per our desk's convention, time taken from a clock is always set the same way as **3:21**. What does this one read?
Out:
**9:40**
